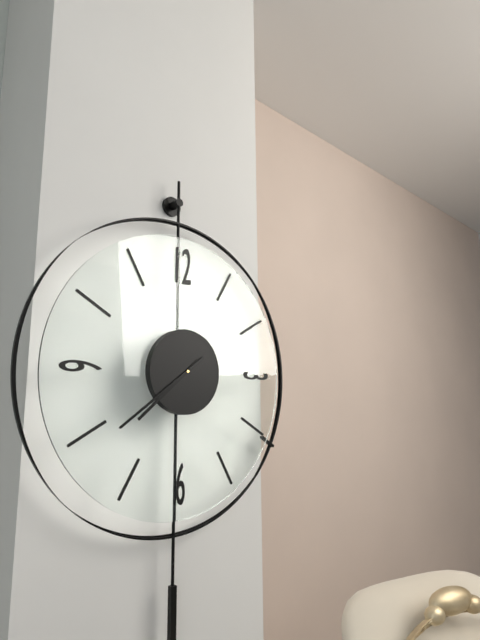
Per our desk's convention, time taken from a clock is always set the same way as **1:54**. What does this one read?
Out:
**7:39**
